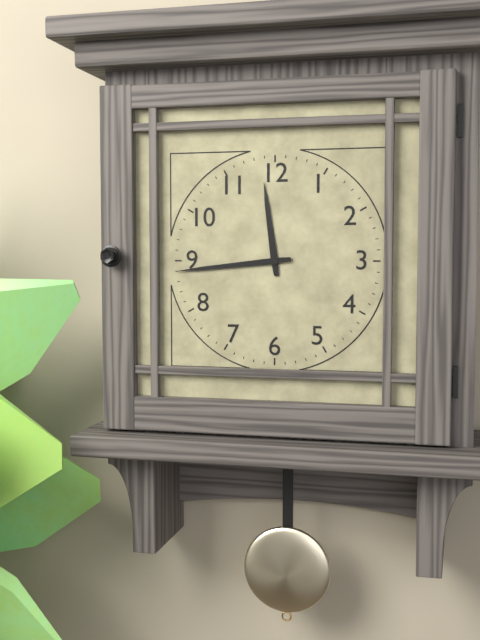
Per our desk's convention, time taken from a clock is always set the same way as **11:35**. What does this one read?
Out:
**11:44**
